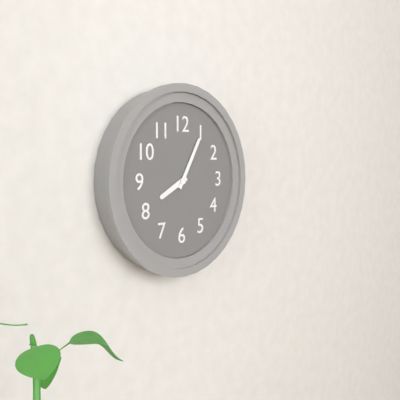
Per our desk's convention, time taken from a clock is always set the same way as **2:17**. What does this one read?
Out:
**8:05**
